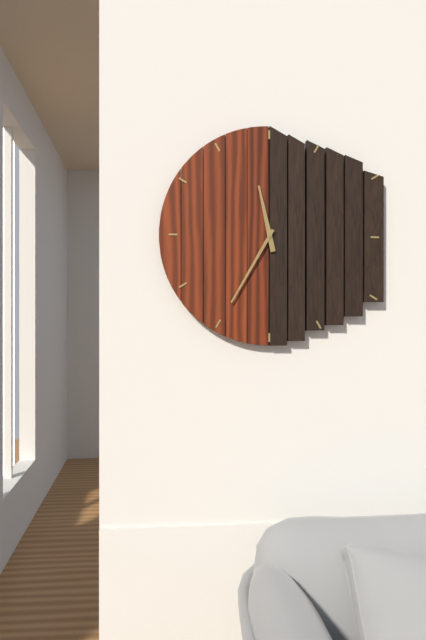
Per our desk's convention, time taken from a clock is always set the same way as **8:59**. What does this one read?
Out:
**11:35**
